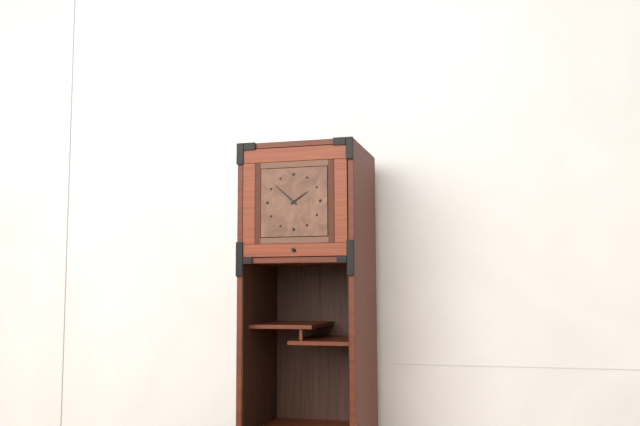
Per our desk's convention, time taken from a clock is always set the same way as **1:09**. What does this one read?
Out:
**1:52**
